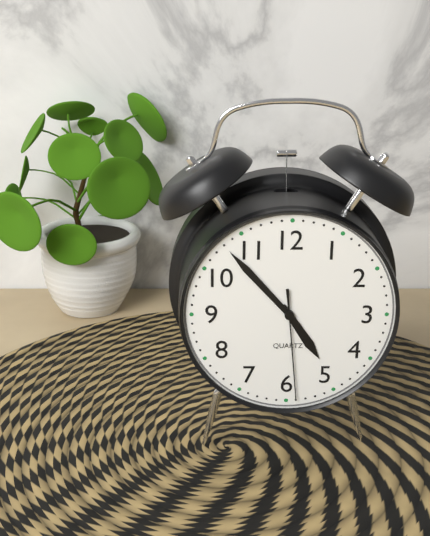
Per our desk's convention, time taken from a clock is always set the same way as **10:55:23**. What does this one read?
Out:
**4:53:29**
